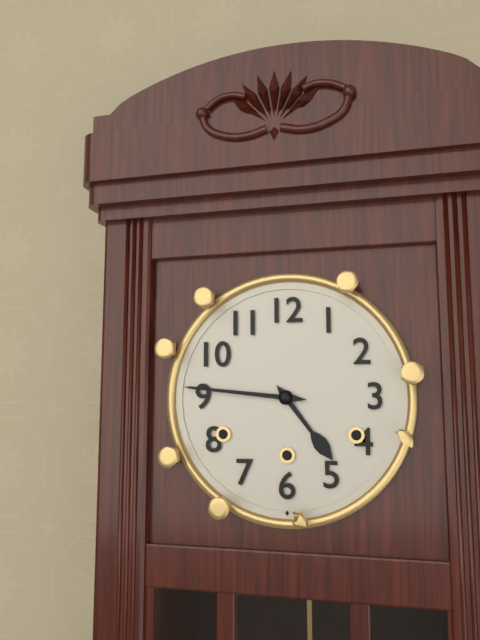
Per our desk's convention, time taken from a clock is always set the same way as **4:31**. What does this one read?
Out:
**4:46**
